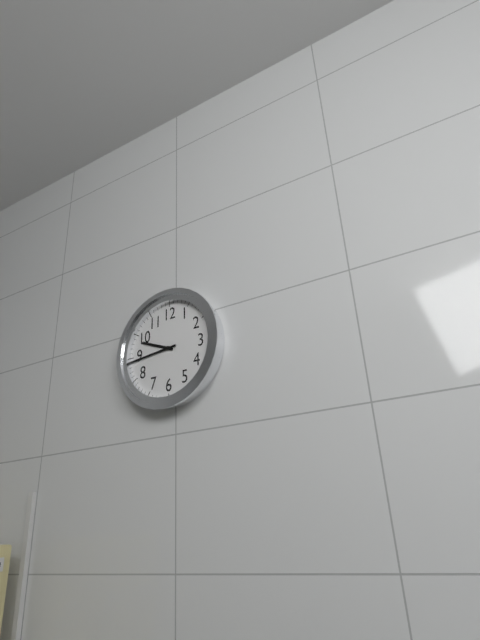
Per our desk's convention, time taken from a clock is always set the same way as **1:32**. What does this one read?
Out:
**9:44**
